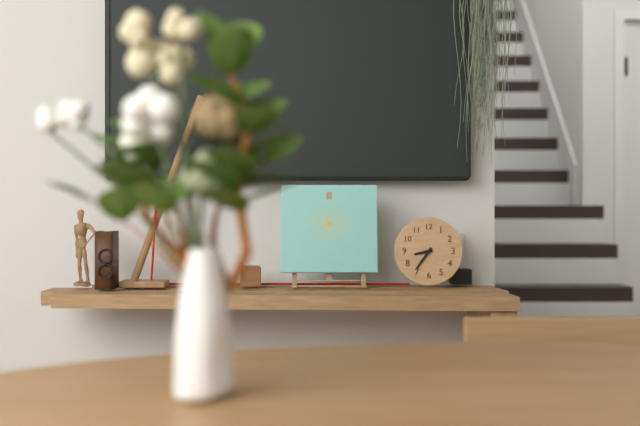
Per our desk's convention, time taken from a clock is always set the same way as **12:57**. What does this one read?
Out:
**8:36**
